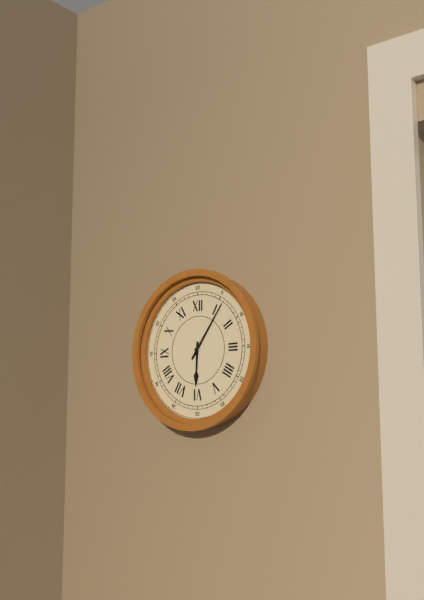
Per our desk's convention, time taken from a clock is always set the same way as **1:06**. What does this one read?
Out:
**6:06**
